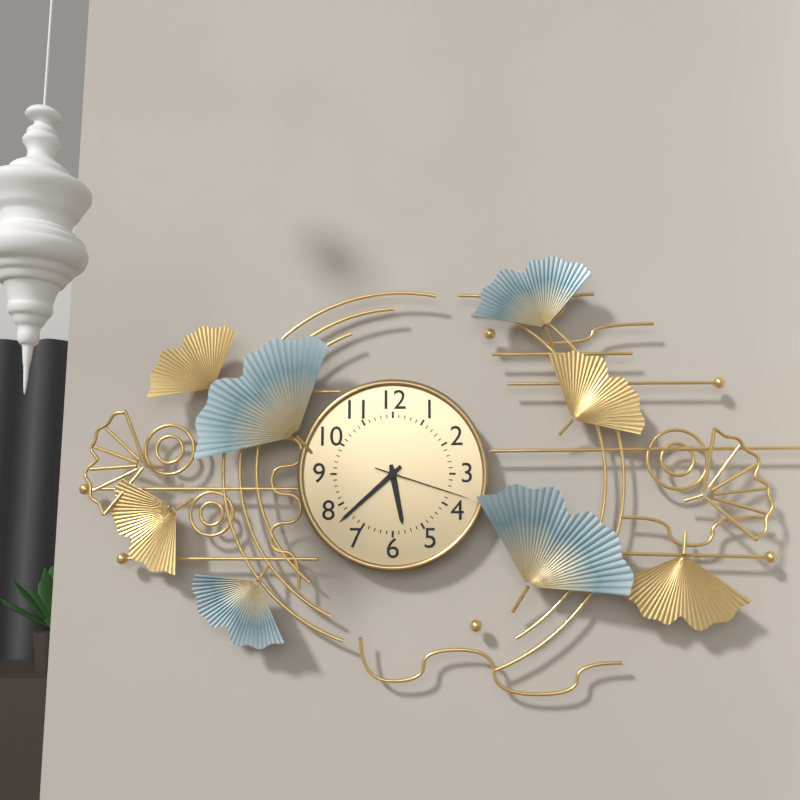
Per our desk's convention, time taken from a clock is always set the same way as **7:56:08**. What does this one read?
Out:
**5:38:18**
